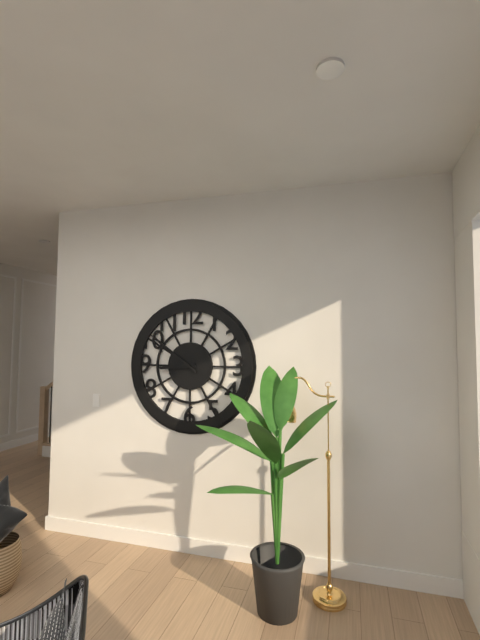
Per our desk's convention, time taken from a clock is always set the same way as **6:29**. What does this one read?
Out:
**8:51**
